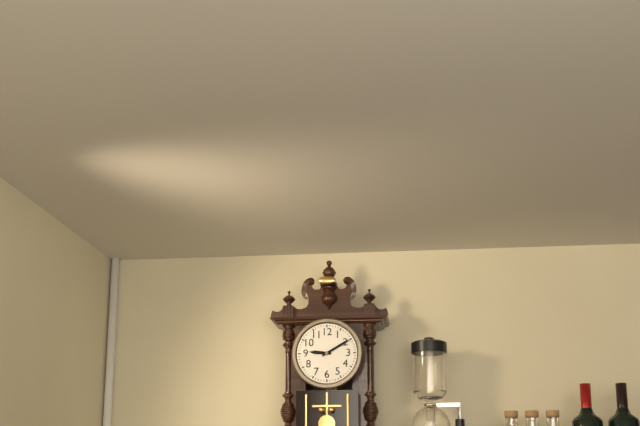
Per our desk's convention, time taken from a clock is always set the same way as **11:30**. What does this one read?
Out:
**9:10**
